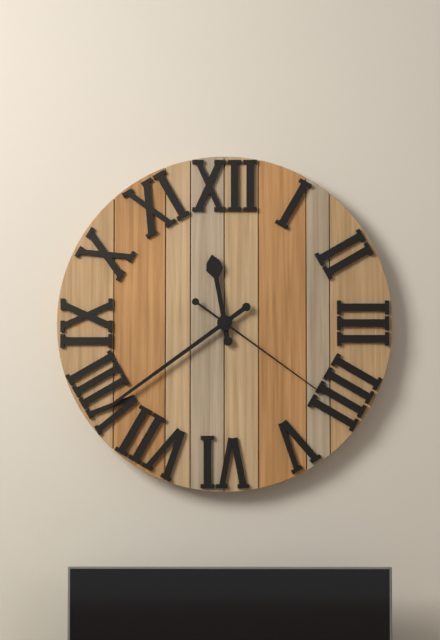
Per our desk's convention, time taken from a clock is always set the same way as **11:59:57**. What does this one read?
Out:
**11:39:21**
